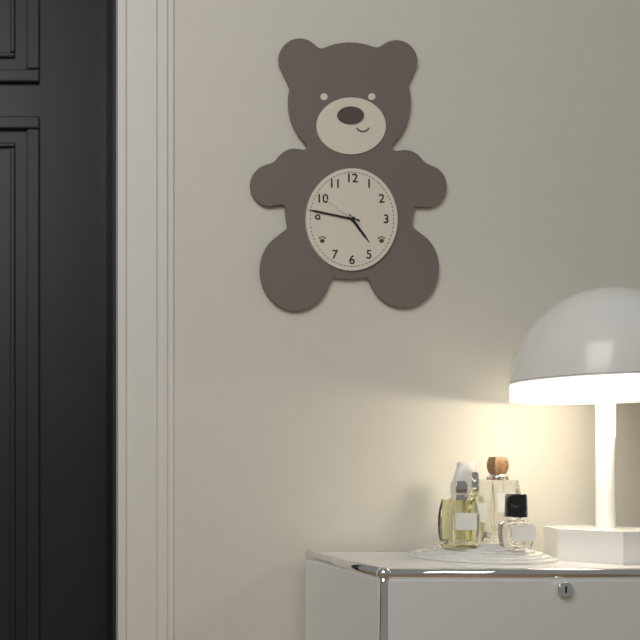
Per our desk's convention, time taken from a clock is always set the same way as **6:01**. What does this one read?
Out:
**4:47**
